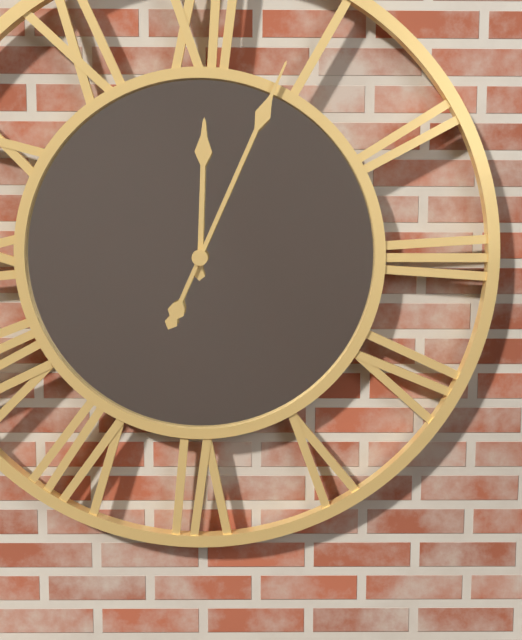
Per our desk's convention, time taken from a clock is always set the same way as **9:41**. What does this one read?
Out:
**12:04**
